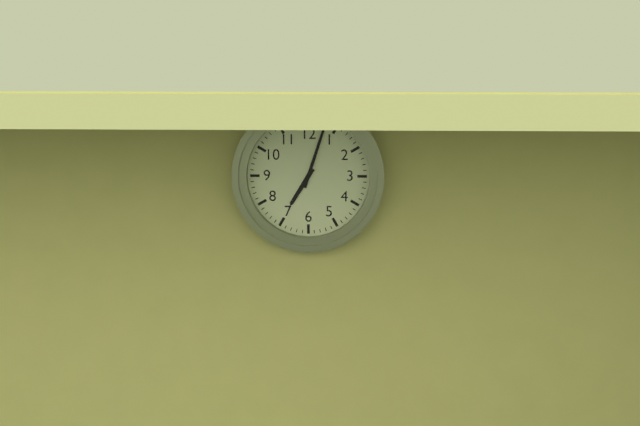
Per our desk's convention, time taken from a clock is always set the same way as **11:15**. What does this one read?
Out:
**7:03**
